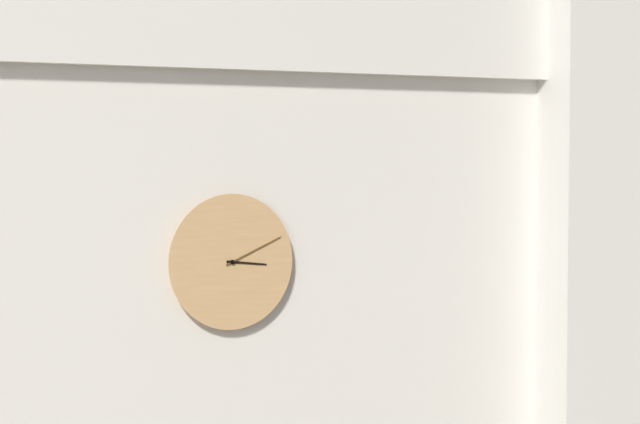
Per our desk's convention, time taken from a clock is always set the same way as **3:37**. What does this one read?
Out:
**3:11**
